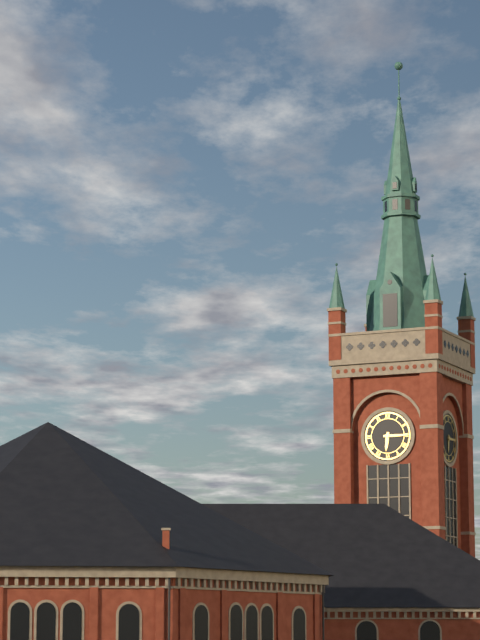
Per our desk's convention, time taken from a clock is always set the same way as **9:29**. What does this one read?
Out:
**6:15**
